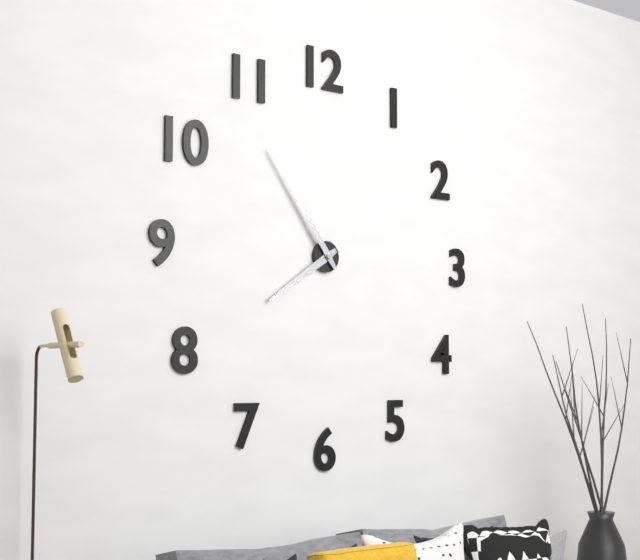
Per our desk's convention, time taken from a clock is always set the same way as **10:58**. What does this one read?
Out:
**7:54**
